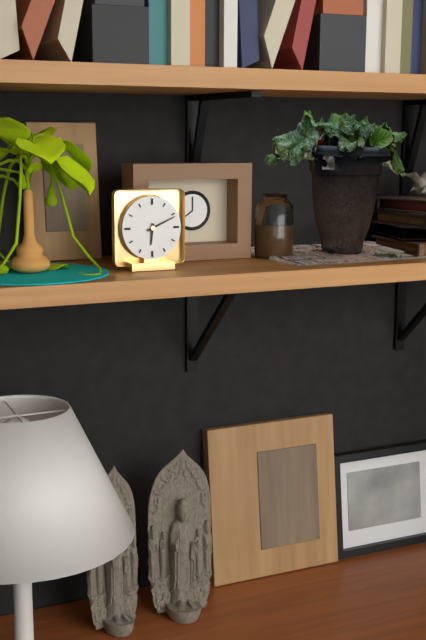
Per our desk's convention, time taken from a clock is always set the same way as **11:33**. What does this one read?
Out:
**6:11**
